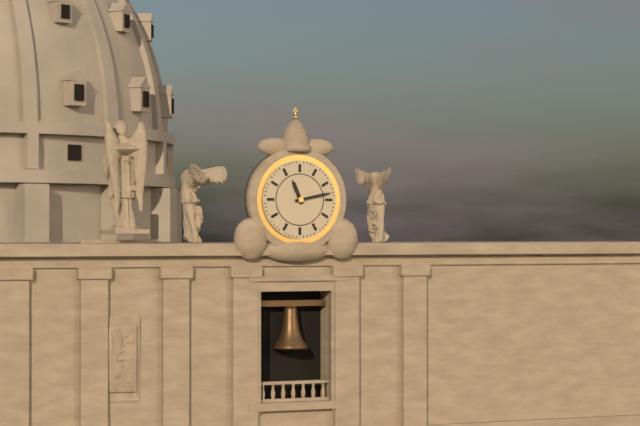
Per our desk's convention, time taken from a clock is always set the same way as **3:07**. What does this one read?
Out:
**11:13**
